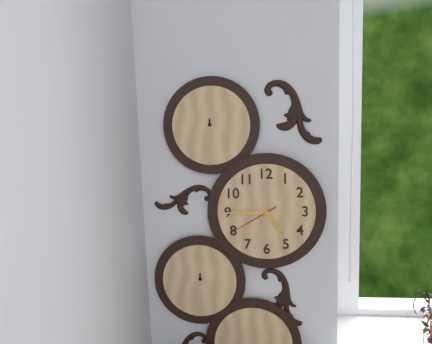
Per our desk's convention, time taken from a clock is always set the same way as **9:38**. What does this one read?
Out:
**4:45**
